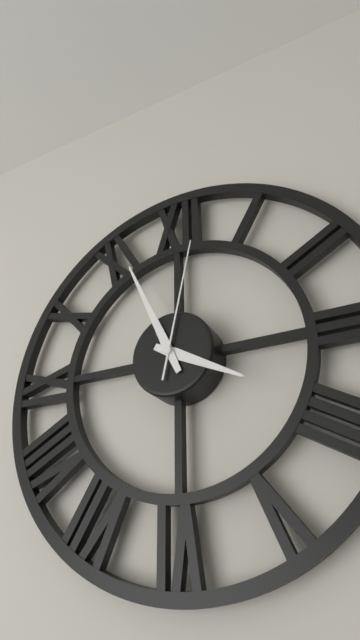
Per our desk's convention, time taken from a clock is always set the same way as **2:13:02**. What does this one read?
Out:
**3:56:02**
